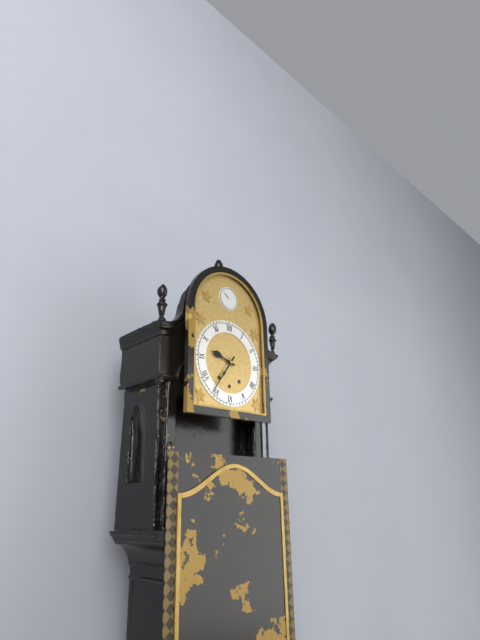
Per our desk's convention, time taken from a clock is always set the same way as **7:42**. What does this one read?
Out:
**9:36**
